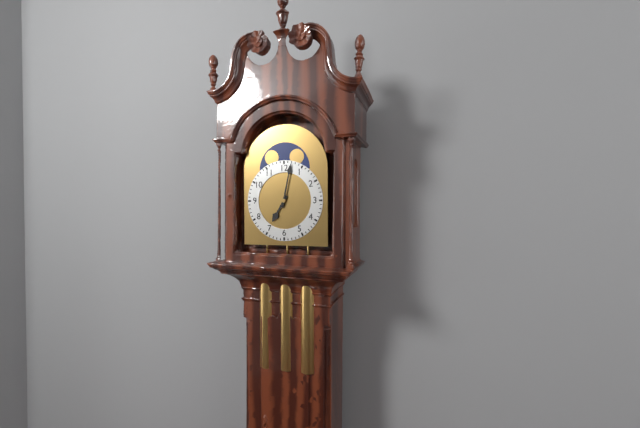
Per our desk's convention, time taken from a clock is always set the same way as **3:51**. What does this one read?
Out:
**7:02**
